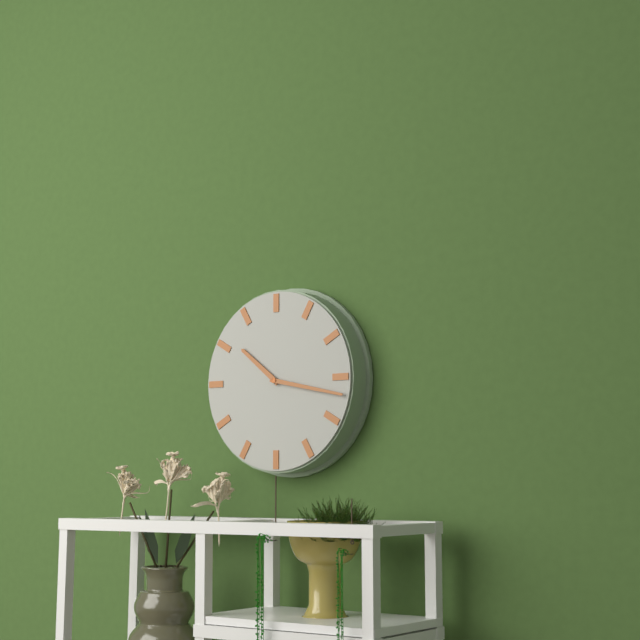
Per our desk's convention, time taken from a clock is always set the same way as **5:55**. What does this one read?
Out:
**10:17**
